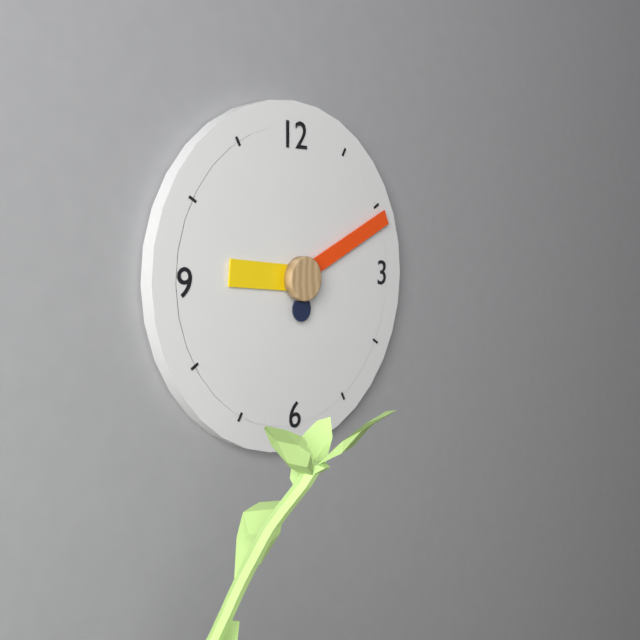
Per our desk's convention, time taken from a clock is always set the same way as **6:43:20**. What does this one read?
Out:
**9:11:29**
